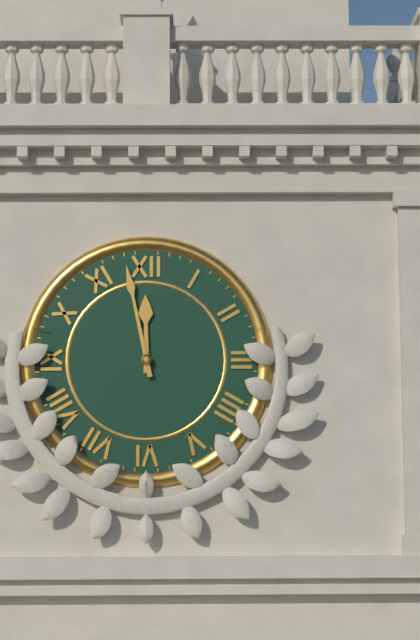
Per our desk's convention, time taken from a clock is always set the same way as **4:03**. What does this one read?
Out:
**11:58**
